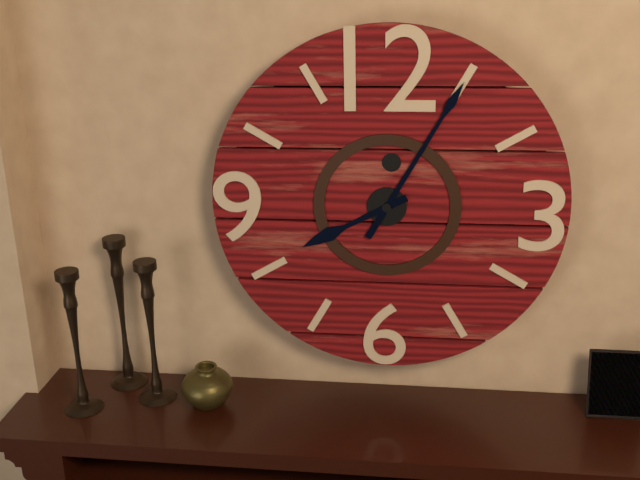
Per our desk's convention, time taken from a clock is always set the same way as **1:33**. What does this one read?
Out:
**8:05**
